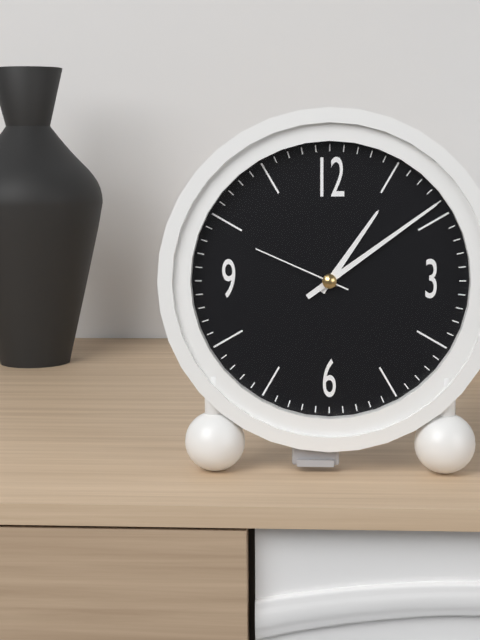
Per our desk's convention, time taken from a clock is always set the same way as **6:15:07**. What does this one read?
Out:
**1:09:49**
